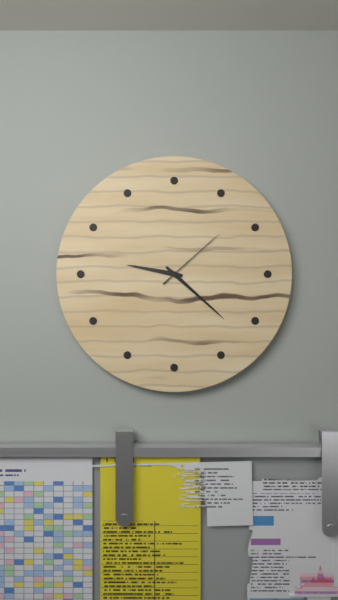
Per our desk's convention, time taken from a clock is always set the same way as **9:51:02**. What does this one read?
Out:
**9:22:08**
